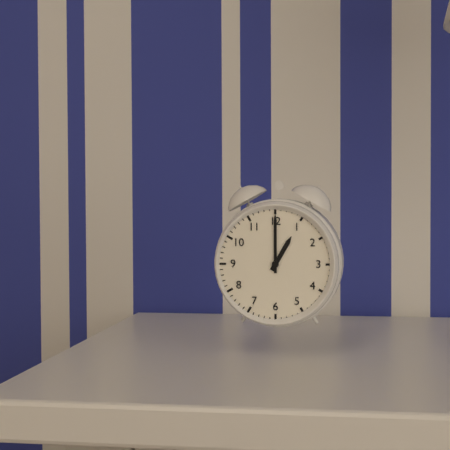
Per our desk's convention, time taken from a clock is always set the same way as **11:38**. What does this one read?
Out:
**1:00**
